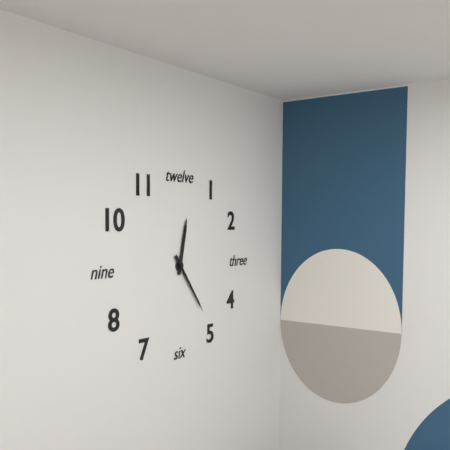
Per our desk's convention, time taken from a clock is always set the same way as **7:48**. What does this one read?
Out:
**12:24**
